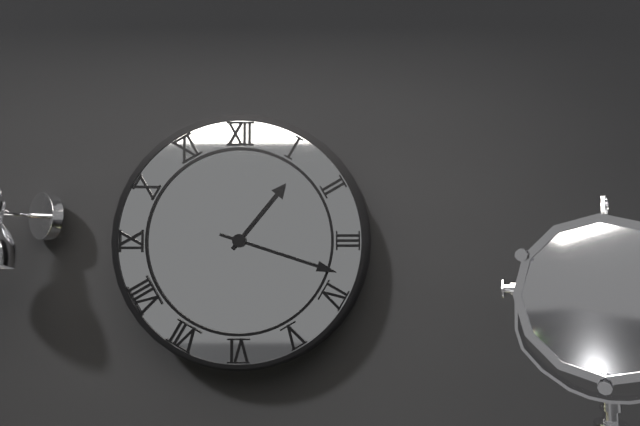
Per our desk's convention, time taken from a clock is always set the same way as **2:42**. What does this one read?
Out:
**1:18**
